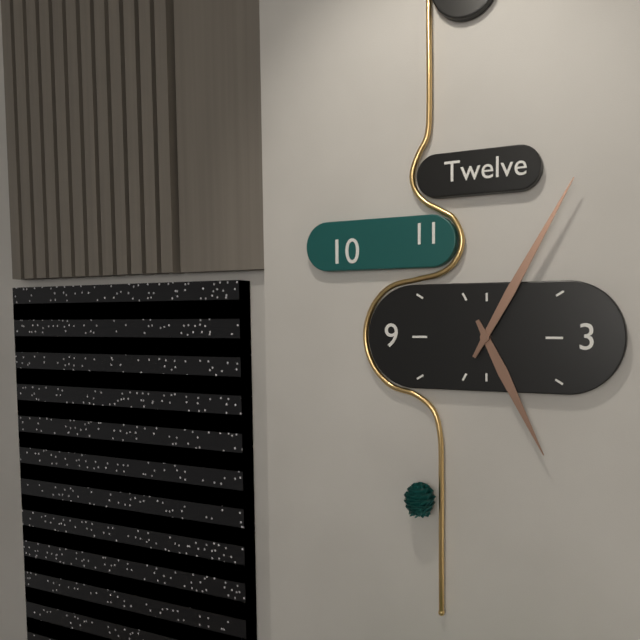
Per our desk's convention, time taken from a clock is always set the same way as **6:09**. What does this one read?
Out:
**5:05**
